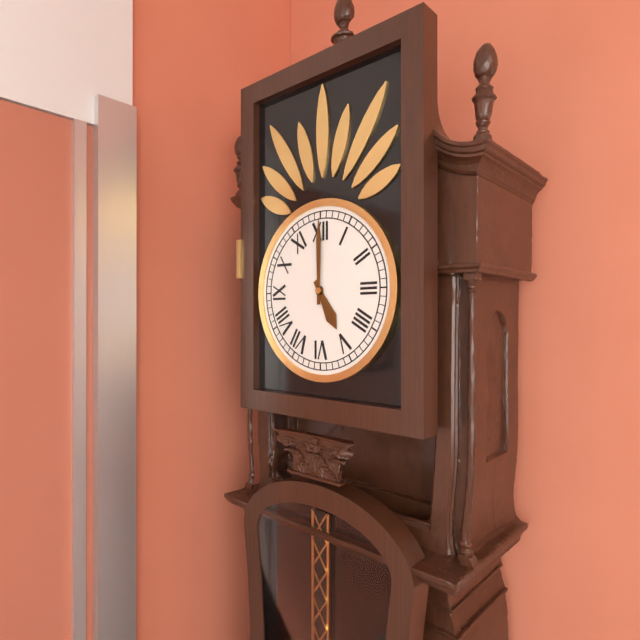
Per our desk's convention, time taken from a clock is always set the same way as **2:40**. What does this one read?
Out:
**5:00**
